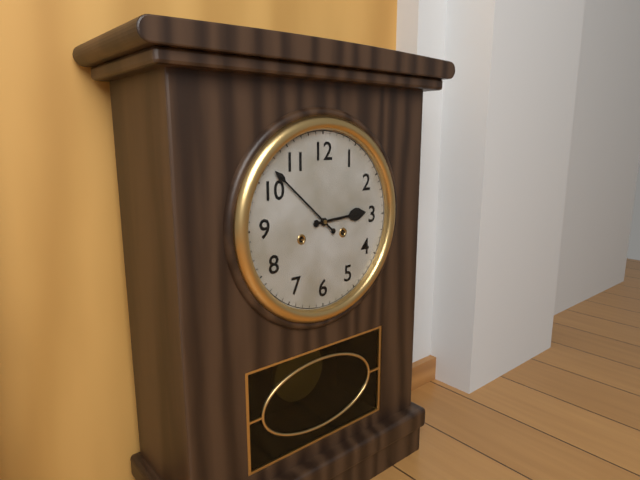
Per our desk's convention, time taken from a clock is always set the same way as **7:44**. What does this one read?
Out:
**2:52**
